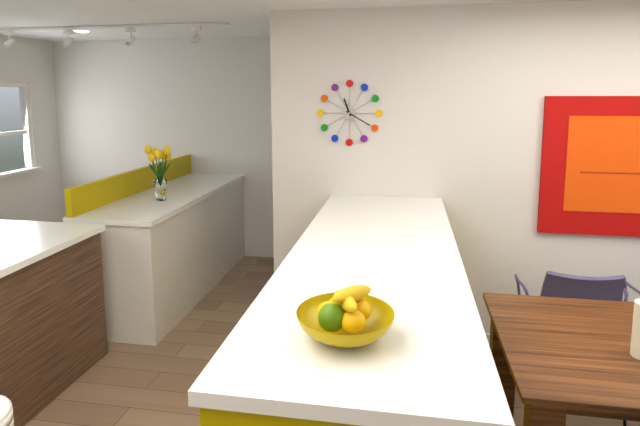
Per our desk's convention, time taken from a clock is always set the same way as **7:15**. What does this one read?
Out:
**11:20**
